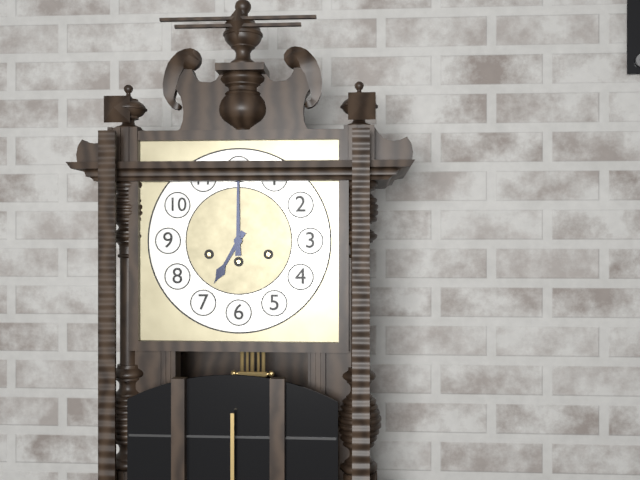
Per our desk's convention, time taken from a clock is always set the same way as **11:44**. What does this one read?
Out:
**7:00**
